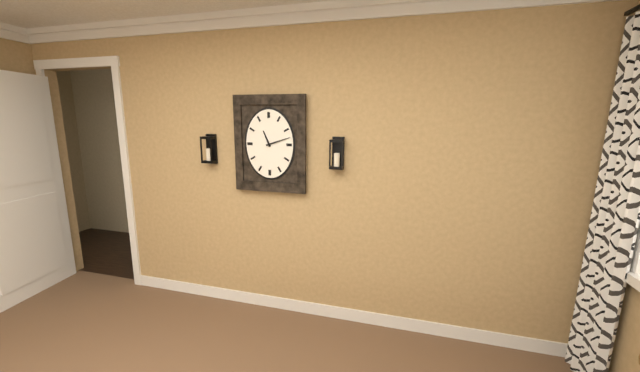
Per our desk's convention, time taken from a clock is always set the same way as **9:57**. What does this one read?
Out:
**11:12**
